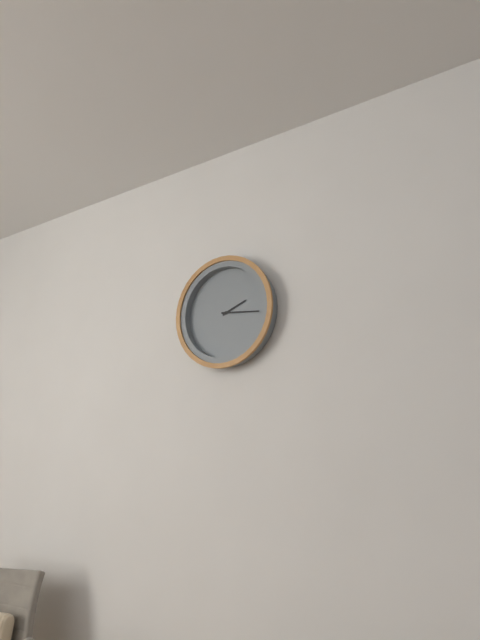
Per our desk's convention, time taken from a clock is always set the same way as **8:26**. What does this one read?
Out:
**2:16**
